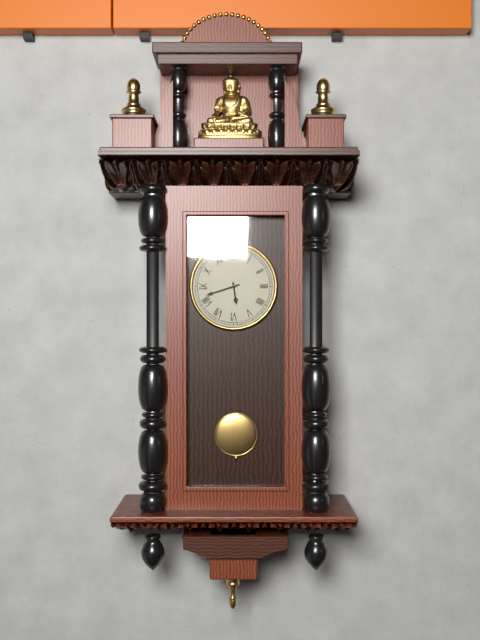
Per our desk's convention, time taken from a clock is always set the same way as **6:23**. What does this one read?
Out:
**5:42**
